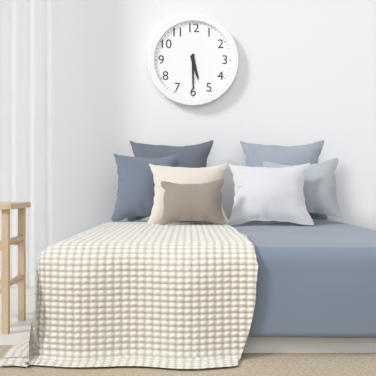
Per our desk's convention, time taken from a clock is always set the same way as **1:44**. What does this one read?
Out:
**5:30**
